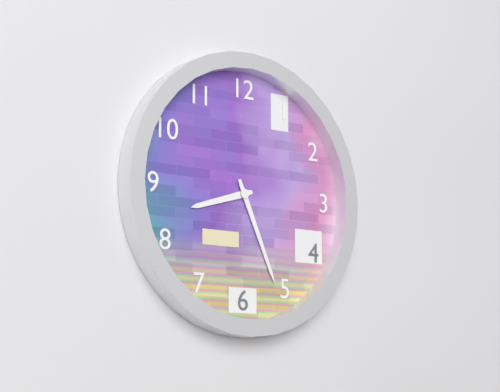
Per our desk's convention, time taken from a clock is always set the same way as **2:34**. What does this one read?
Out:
**8:26**
